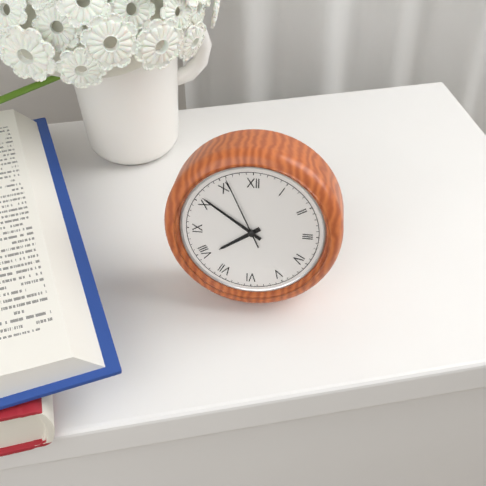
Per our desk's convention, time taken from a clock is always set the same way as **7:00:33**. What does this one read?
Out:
**7:51:56**
